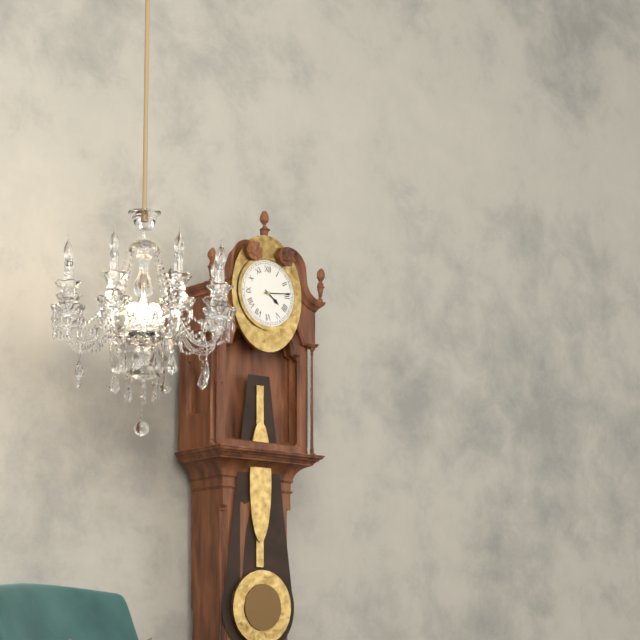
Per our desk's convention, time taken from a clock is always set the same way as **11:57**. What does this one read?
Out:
**4:14**
